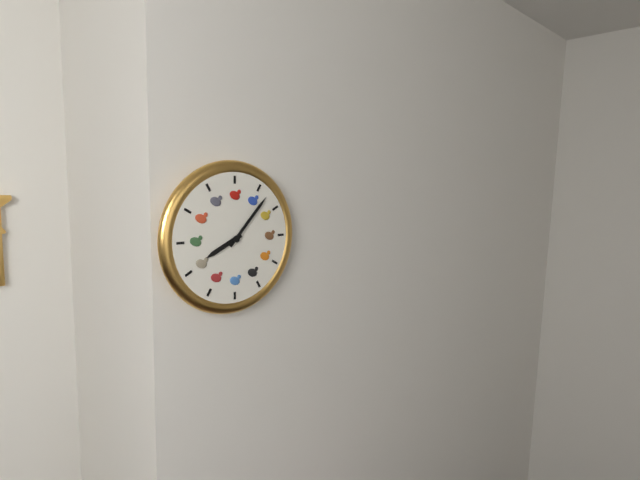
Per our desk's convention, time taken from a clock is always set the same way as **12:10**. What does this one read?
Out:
**8:07**
